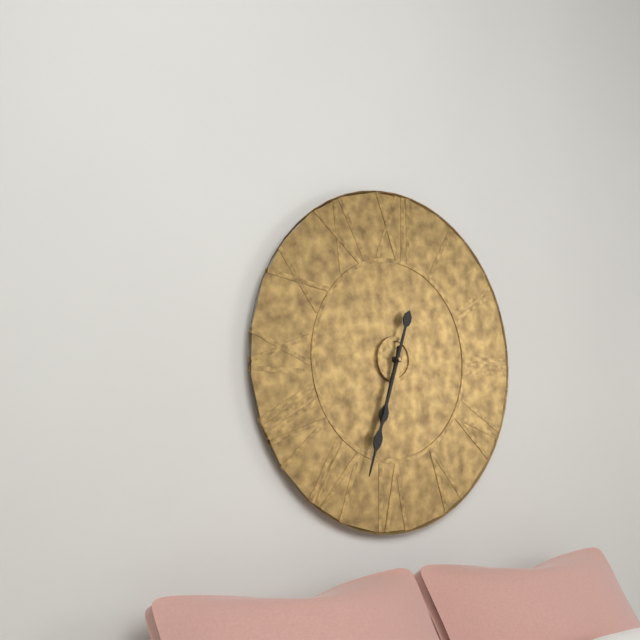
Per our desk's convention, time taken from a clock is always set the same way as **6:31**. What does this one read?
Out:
**6:33**
